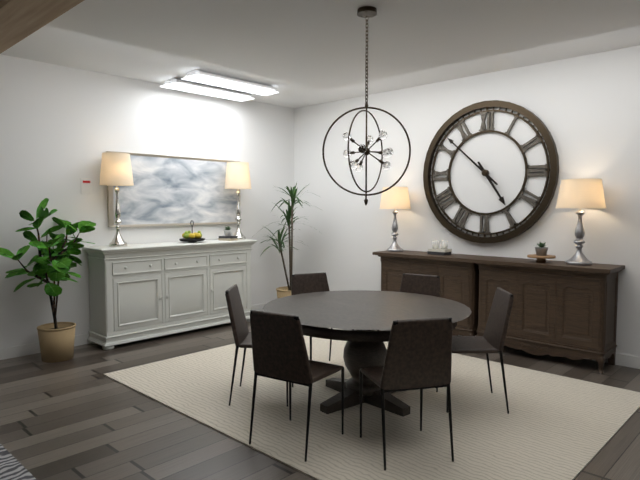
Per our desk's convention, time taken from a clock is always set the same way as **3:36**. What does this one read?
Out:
**4:52**
